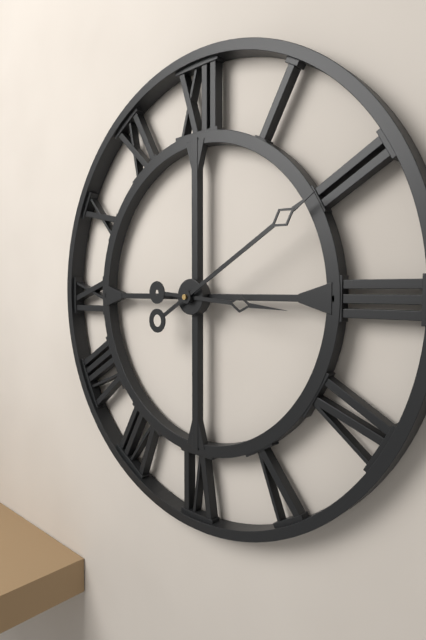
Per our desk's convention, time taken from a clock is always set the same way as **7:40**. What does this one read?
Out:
**3:10**
